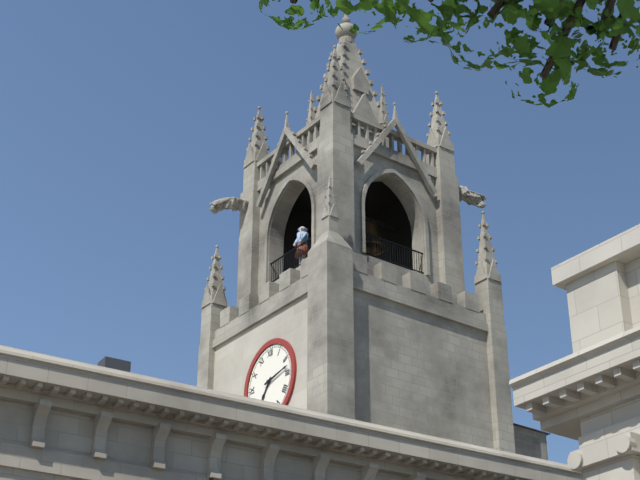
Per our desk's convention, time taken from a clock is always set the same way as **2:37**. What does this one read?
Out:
**7:13**
